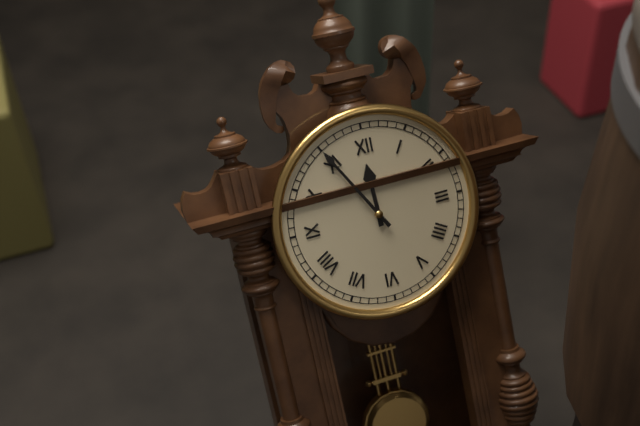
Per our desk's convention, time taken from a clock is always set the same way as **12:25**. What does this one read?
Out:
**11:55**
